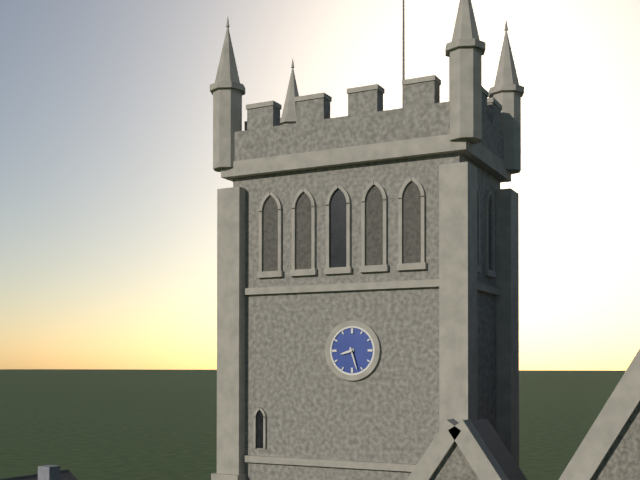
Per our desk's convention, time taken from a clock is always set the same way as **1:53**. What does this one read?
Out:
**8:27**
